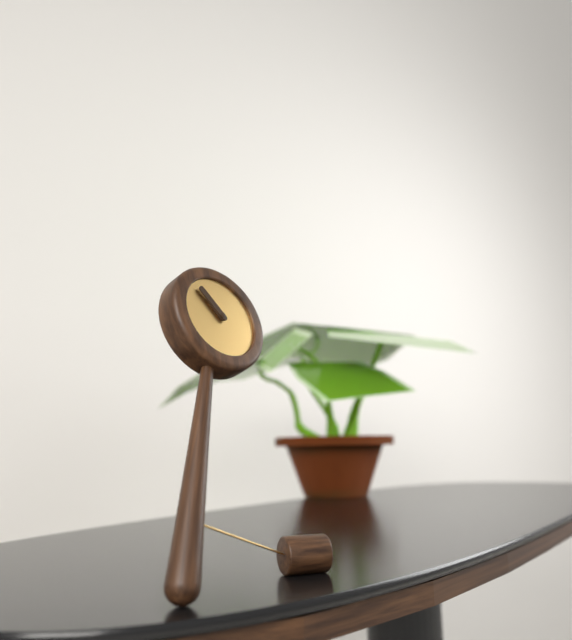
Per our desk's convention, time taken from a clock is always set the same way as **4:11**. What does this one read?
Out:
**10:54**
